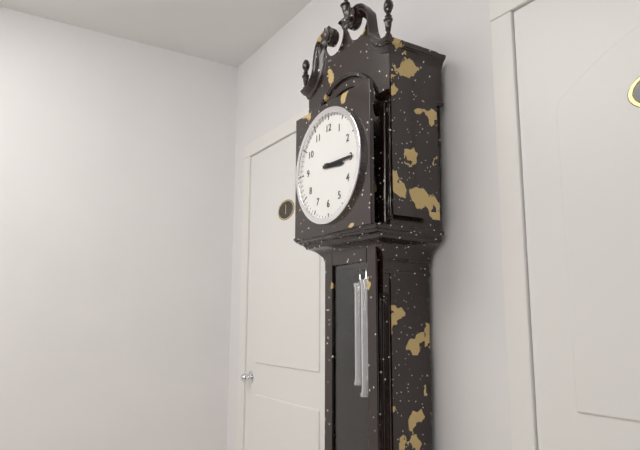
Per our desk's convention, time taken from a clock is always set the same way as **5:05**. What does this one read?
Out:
**3:15**
